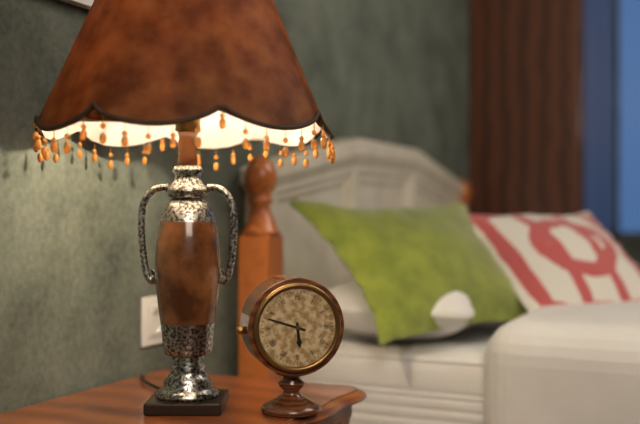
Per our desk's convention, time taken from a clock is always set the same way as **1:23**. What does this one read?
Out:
**5:48**
